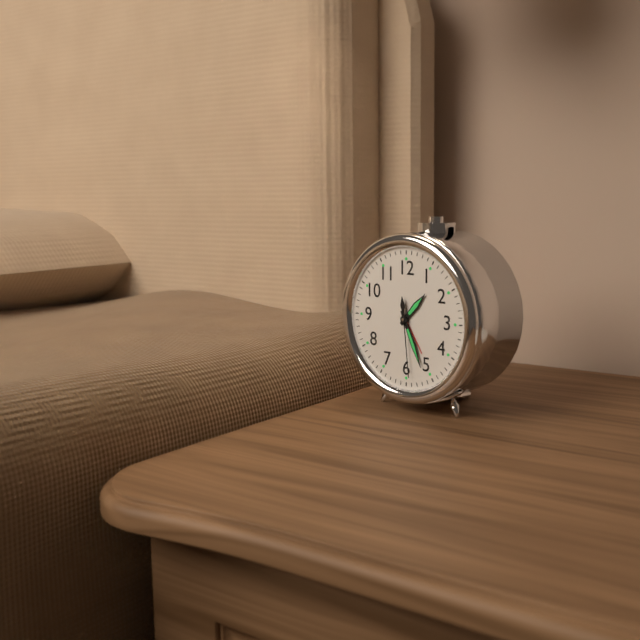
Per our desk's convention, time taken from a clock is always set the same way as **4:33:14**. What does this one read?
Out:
**1:26:29**
